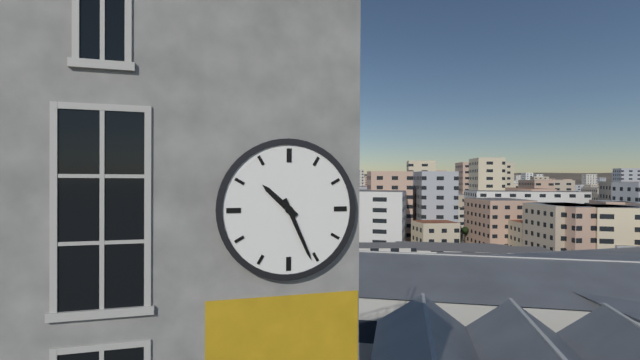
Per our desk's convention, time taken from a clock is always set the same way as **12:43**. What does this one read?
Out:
**10:26**
